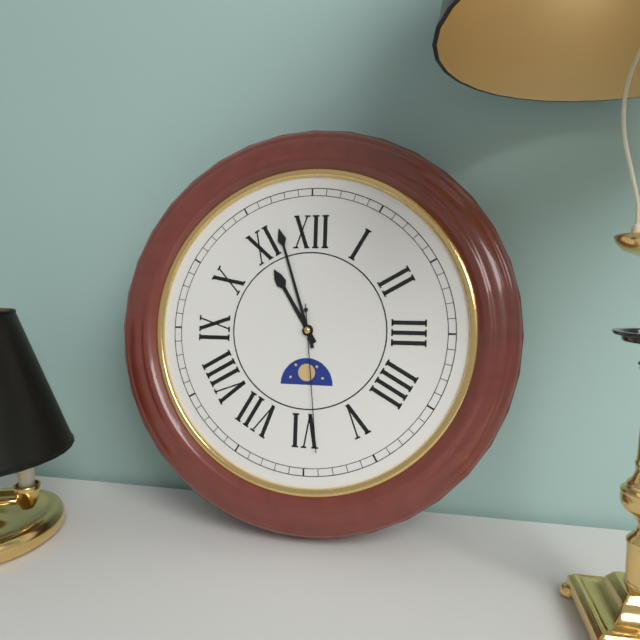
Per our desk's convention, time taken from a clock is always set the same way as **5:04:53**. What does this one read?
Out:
**10:57:29**
